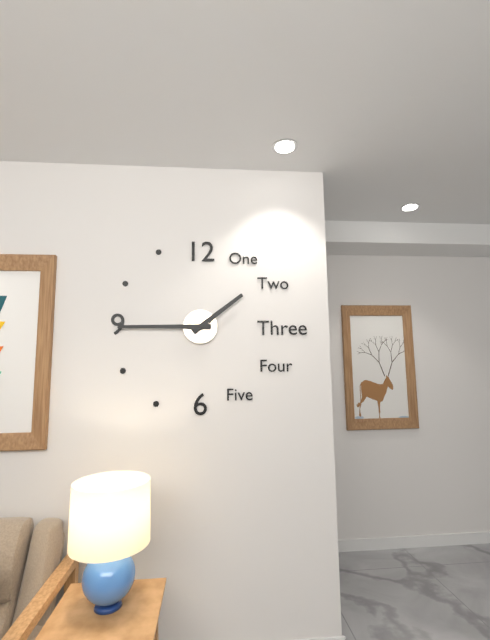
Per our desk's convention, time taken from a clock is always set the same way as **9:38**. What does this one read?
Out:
**1:45**
